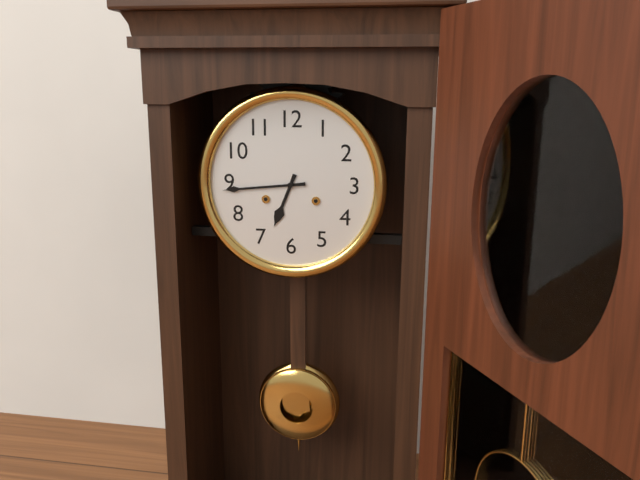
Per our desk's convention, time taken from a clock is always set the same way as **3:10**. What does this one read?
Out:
**6:44**
